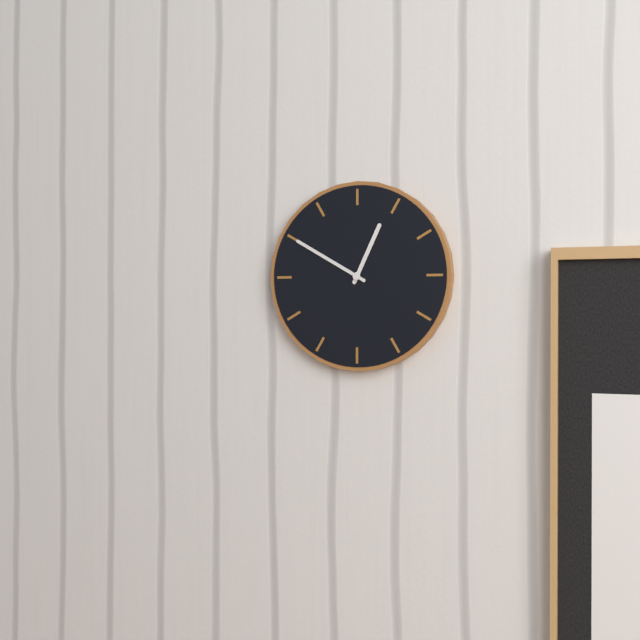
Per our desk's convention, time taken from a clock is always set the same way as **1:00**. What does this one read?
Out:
**12:50**
